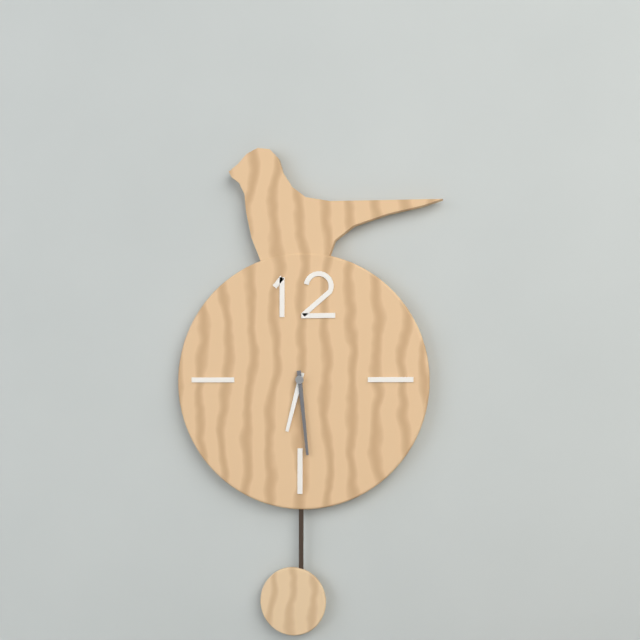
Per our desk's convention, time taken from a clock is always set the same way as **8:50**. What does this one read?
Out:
**6:29**
